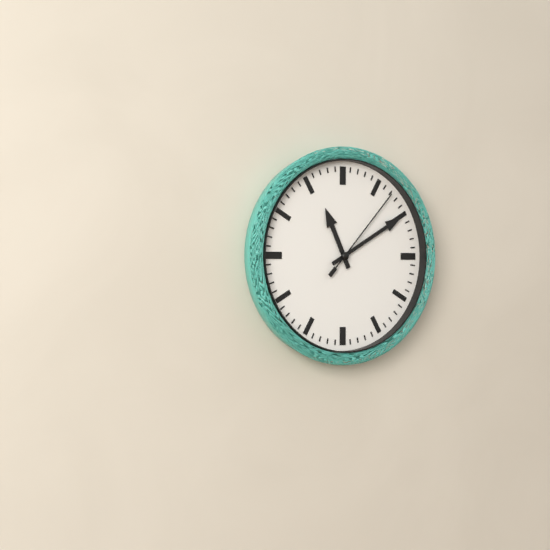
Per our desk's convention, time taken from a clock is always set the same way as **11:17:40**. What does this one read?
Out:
**11:10:07**
